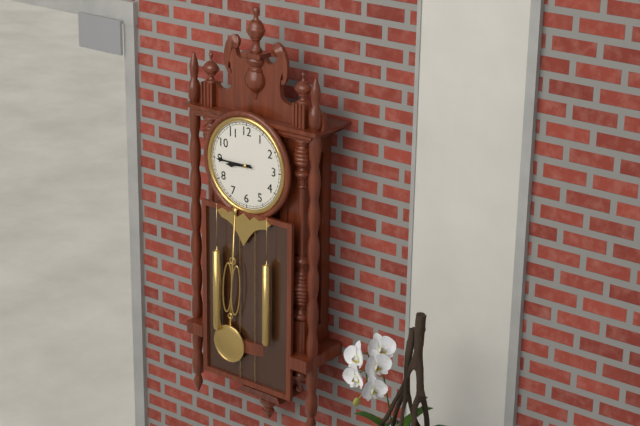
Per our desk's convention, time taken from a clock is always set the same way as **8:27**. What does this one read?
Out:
**8:45**
